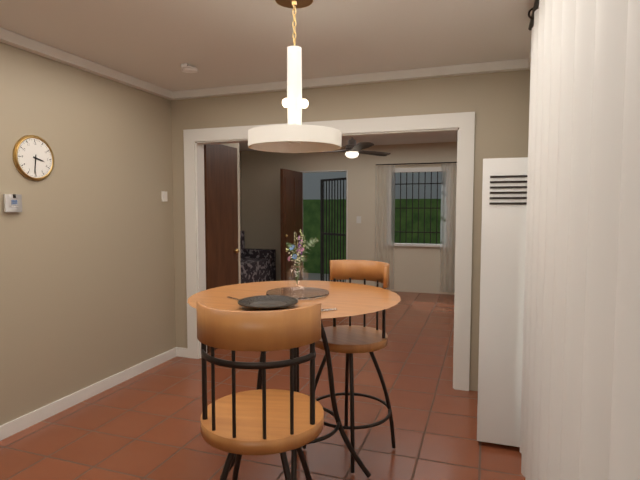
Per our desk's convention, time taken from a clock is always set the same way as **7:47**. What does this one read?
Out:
**3:31**
